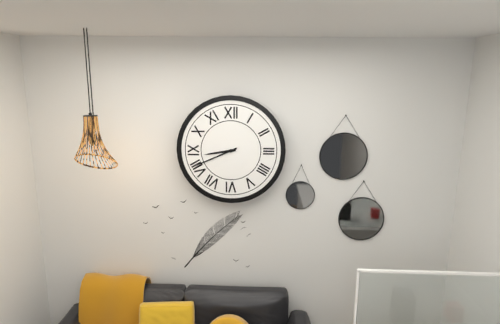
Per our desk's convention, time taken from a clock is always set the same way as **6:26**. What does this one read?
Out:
**8:41**
